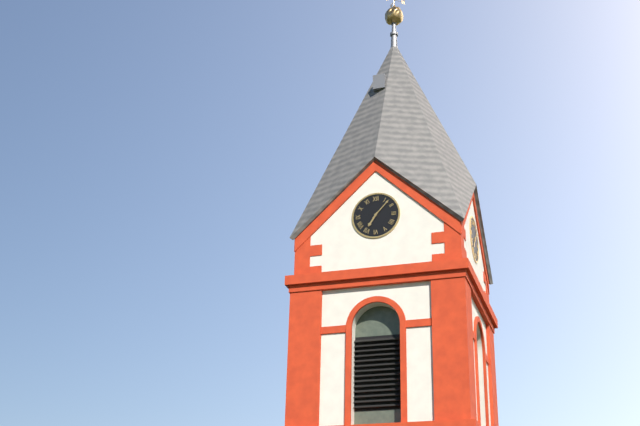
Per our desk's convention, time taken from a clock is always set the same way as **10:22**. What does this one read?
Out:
**7:07**
